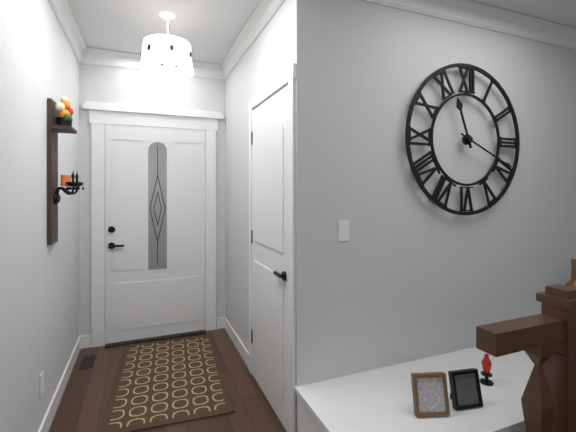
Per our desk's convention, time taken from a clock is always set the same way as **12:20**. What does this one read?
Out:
**11:19**
